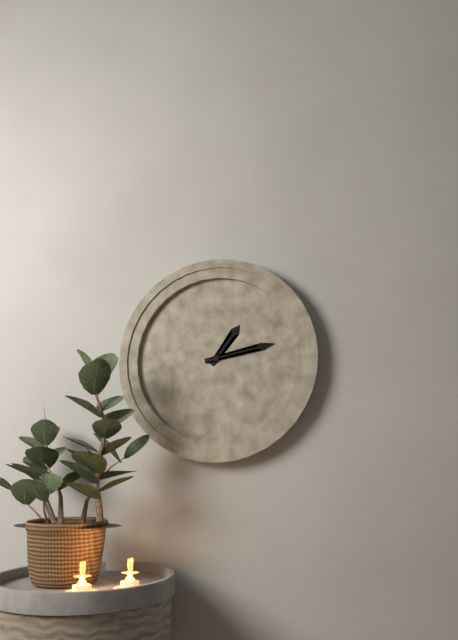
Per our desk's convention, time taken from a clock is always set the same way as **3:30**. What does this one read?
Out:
**1:13**
